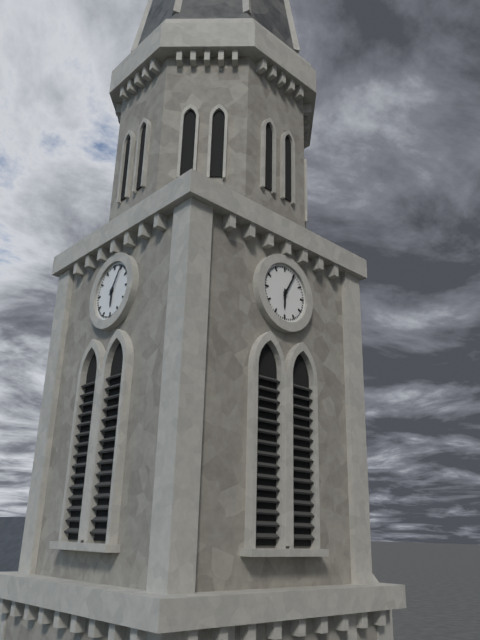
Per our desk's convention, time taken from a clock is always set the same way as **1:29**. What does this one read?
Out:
**6:05**
